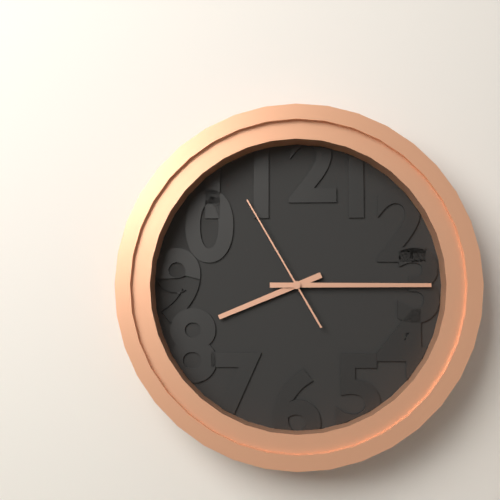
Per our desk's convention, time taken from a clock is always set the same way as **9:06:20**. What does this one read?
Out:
**8:15:55**
